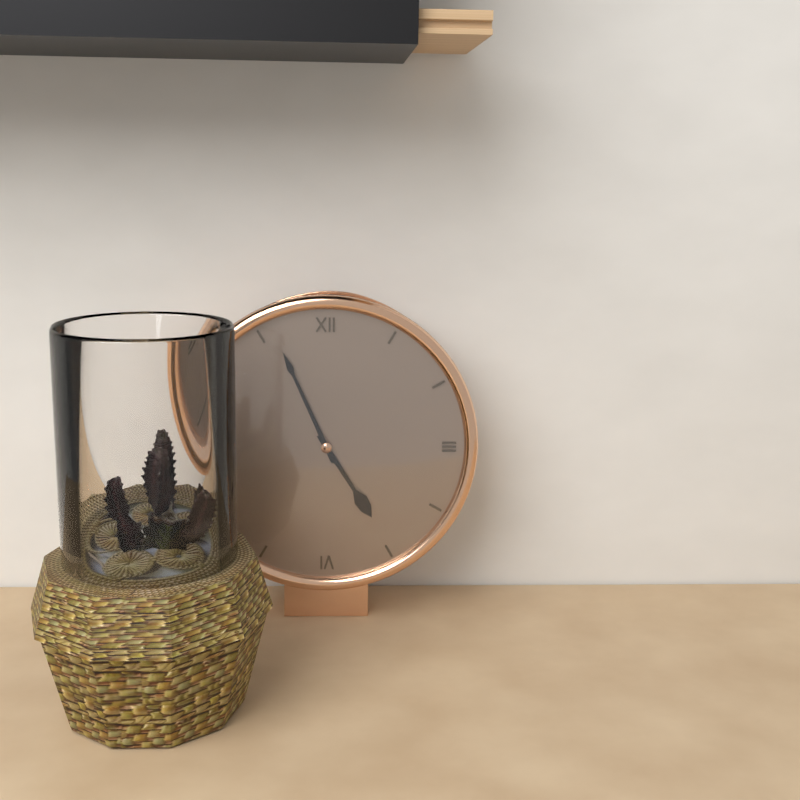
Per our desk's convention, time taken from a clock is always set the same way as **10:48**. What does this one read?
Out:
**4:56**
